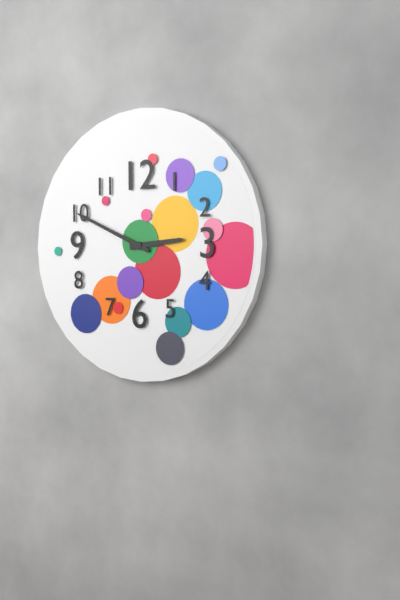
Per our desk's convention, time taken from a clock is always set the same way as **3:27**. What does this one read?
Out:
**2:49**
